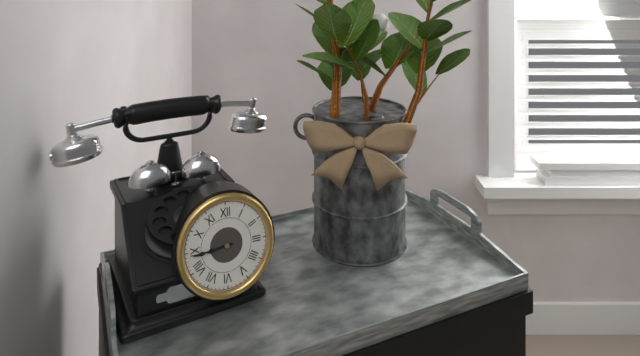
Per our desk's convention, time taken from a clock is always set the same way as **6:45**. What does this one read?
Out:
**8:44**
